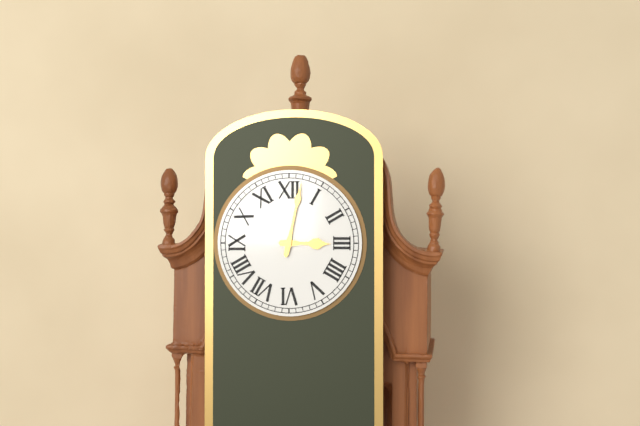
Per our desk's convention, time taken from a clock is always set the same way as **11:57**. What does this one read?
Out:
**3:02**
